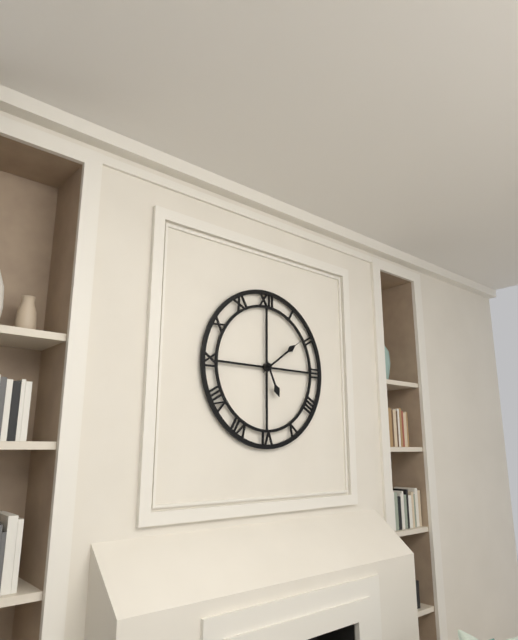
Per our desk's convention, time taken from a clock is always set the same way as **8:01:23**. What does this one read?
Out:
**5:09:09**
